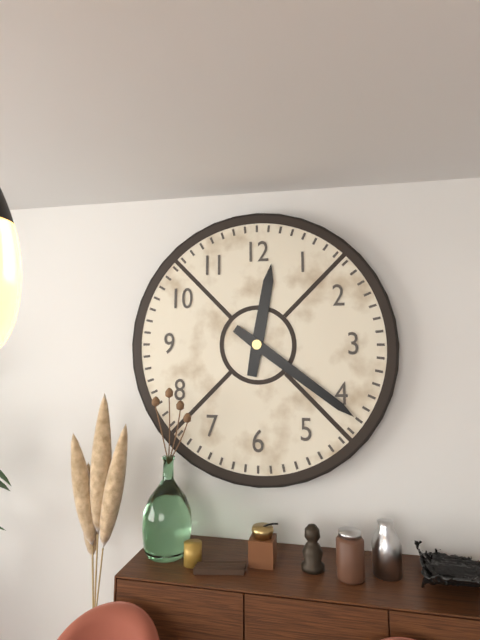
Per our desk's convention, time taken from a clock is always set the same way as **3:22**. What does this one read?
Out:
**12:21**
